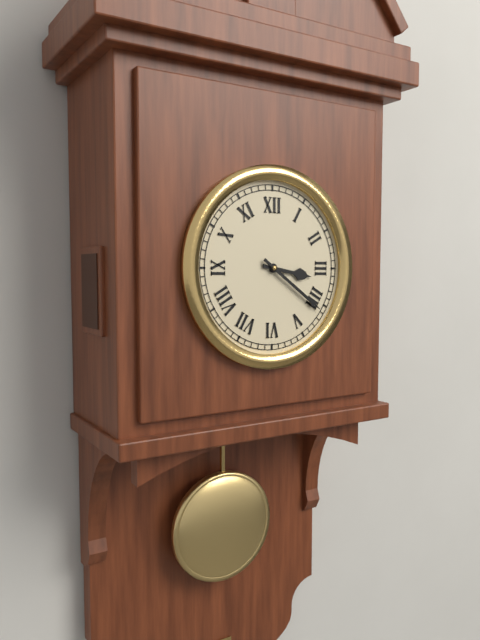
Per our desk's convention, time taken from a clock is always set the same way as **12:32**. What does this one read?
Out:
**3:21**
